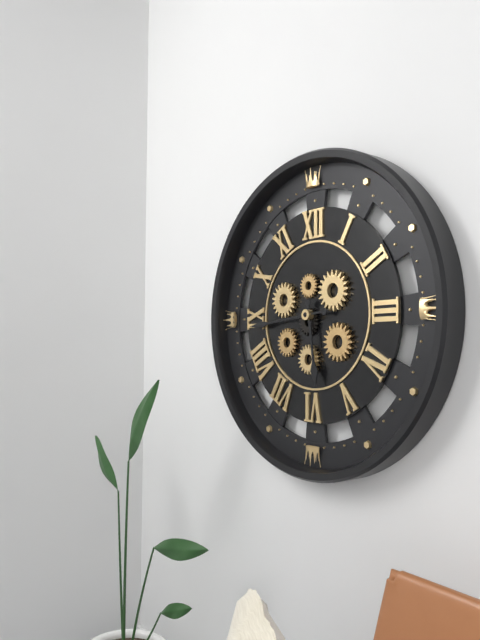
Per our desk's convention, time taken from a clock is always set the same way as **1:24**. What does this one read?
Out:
**5:44**
